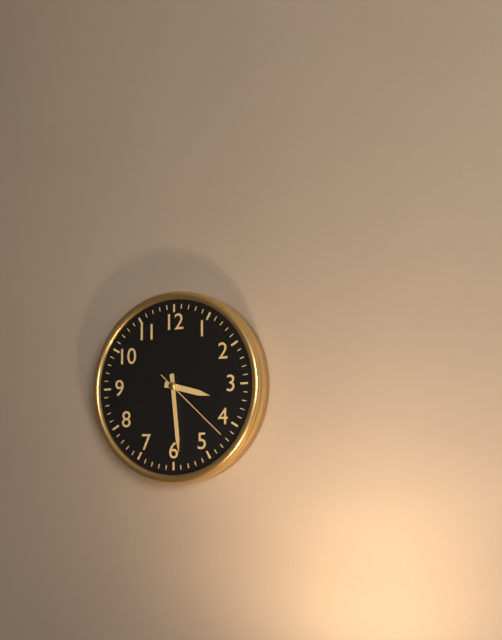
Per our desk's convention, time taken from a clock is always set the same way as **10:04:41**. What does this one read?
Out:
**3:29:22**
